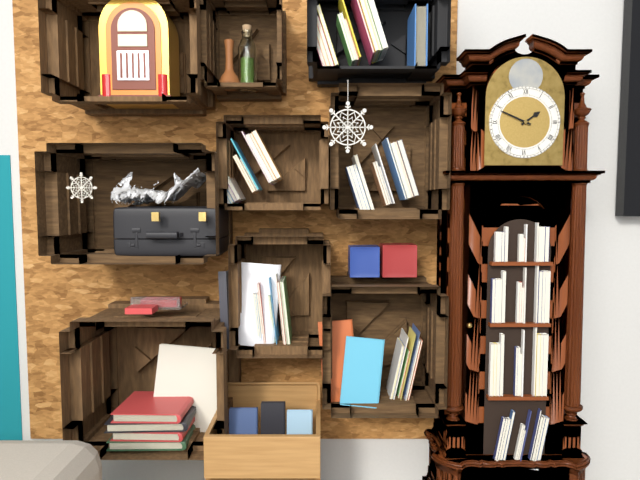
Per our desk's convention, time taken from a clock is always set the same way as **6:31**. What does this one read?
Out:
**1:49**
